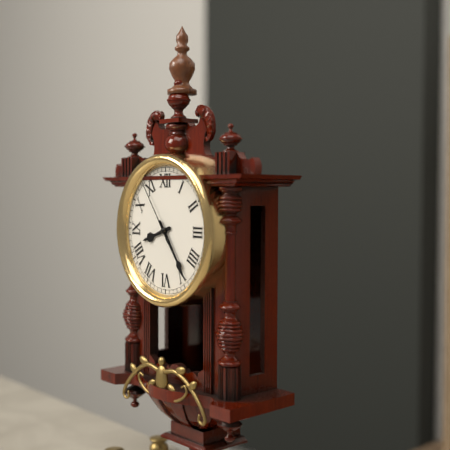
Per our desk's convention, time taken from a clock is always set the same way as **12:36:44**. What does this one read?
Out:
**8:24:54**
